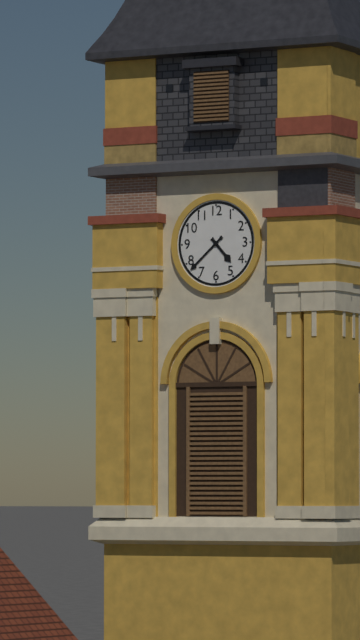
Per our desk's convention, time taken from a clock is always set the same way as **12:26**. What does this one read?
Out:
**4:38**
